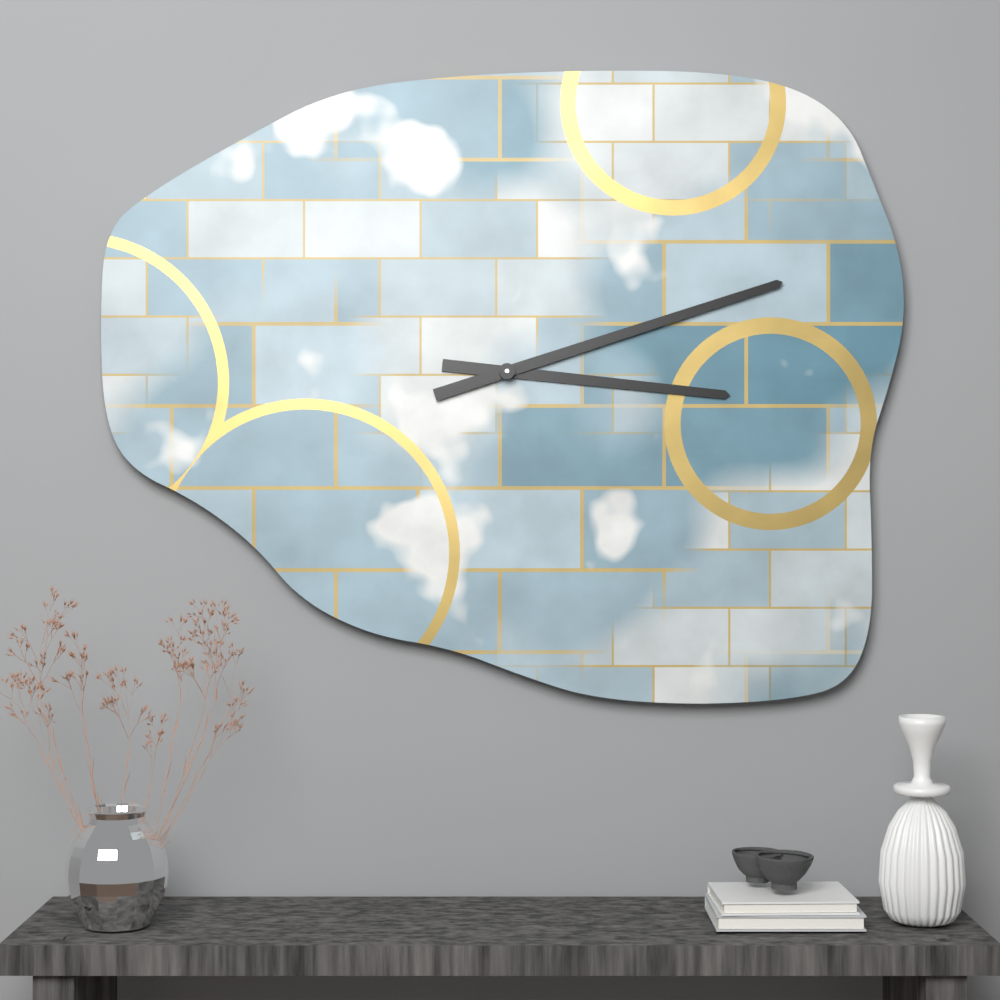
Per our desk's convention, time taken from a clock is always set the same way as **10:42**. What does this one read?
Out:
**3:12**
